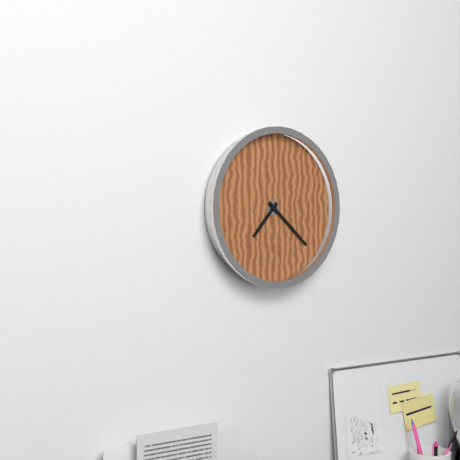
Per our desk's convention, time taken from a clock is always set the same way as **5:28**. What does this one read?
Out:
**7:22**
